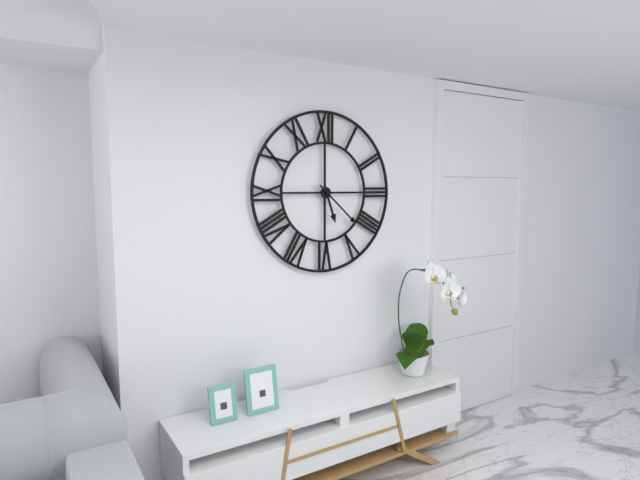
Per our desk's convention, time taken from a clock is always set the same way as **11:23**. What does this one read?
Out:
**5:22**
